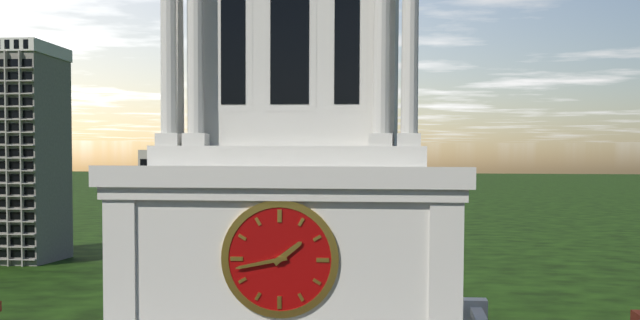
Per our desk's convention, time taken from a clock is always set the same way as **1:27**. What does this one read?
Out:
**1:43**
